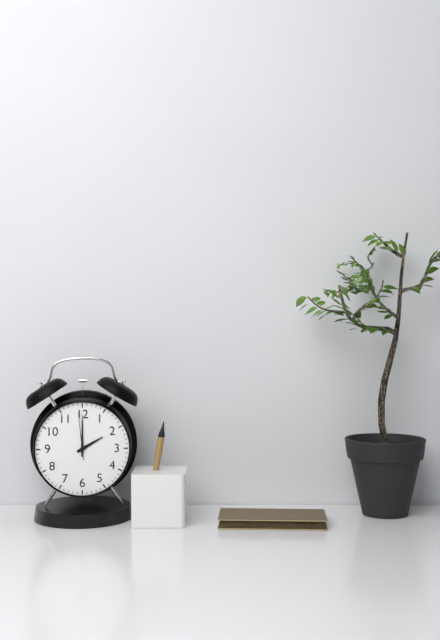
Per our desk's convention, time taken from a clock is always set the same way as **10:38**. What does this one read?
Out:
**2:00**
